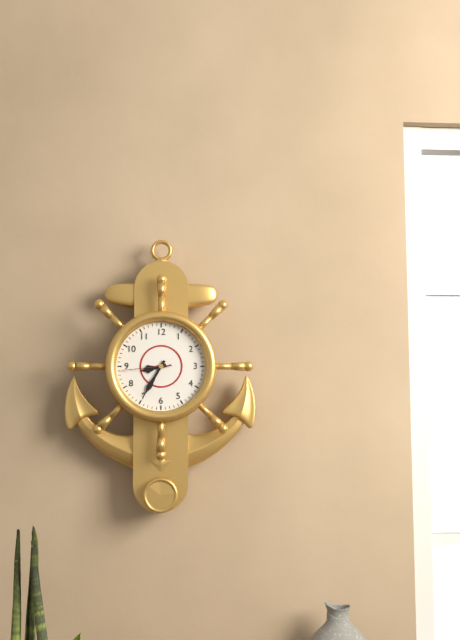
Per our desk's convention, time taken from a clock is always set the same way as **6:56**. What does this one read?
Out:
**8:35**
